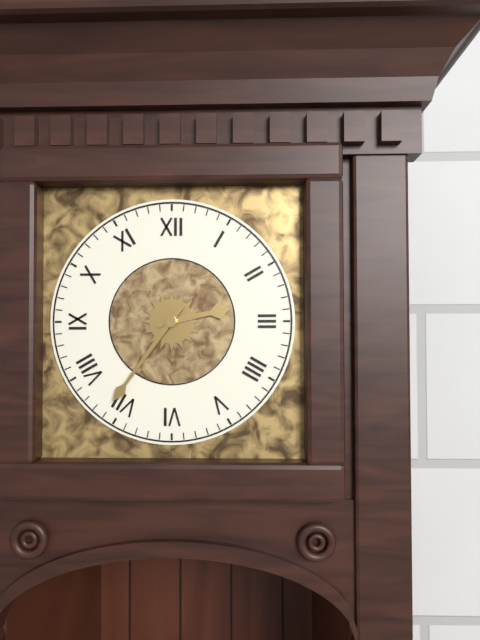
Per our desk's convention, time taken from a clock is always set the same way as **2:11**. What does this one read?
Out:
**2:36**
